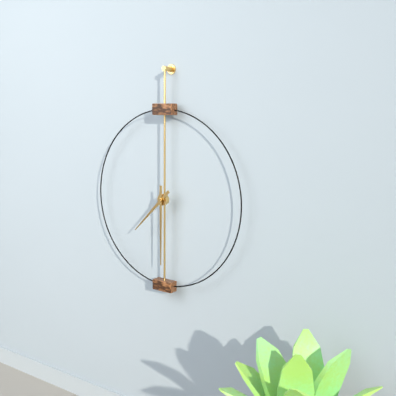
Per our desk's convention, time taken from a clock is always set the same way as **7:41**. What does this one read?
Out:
**7:30**
